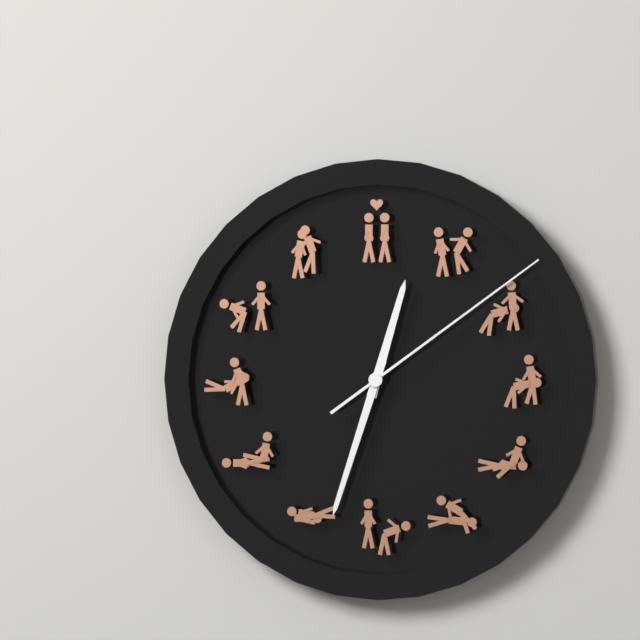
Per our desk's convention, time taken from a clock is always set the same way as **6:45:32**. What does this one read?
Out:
**12:33:09**
